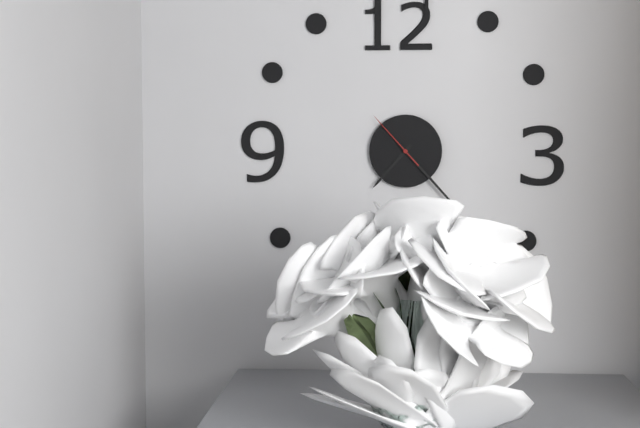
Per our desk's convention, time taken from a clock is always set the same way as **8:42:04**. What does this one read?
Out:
**7:23:53**
